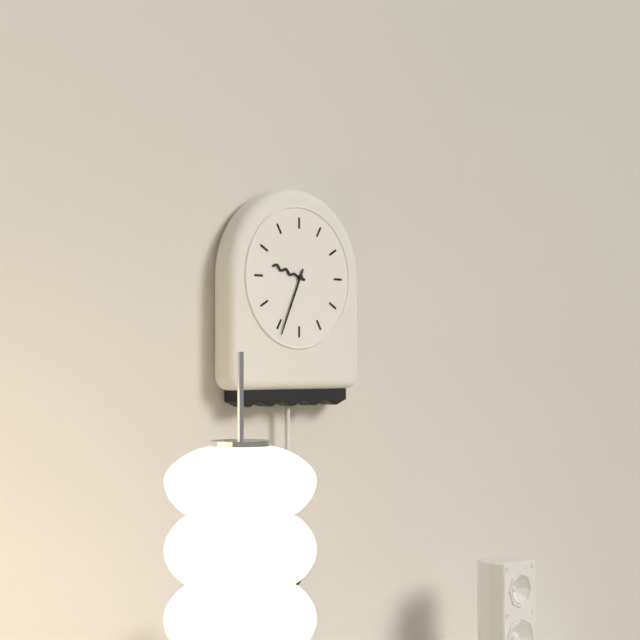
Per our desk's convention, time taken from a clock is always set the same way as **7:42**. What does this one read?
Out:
**9:34**
